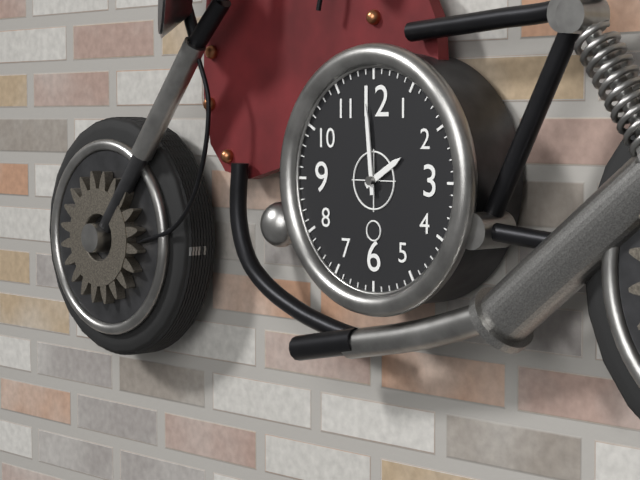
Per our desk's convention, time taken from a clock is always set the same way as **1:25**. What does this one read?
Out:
**1:59**
